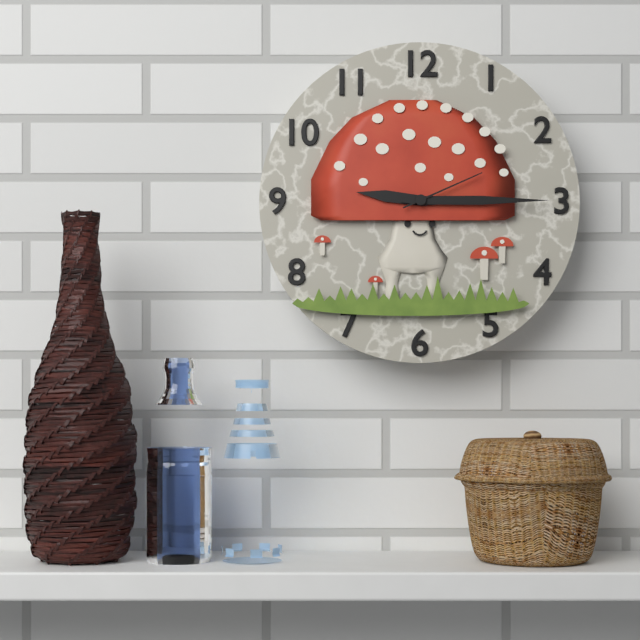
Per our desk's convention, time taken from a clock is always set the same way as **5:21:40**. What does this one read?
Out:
**9:15:11**
